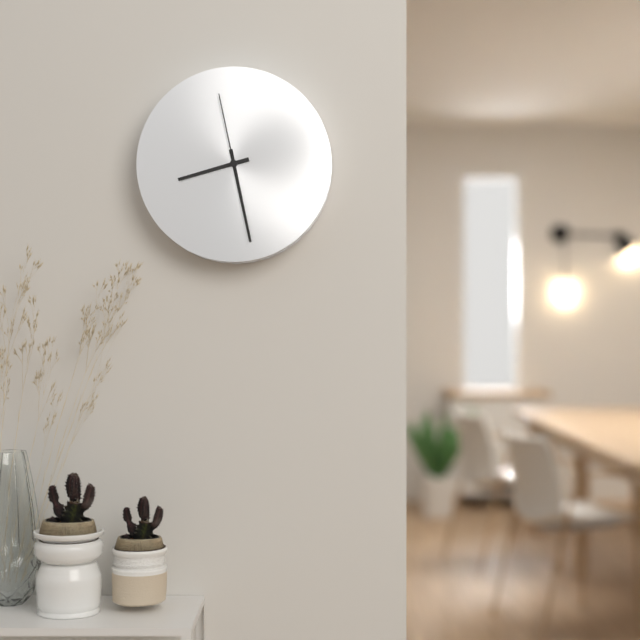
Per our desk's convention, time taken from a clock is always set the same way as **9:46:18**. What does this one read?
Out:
**8:28:58**
